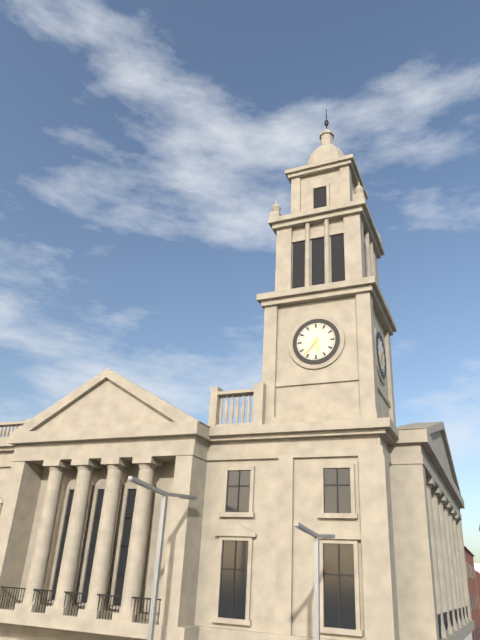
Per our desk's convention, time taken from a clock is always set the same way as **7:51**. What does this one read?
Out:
**5:37**
